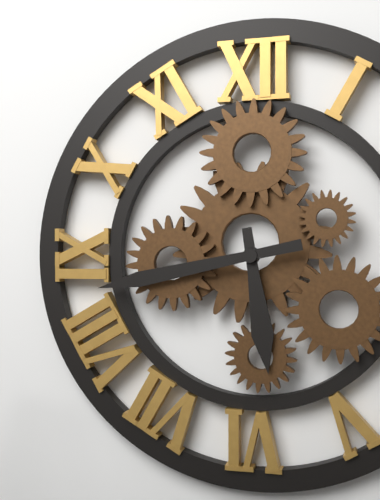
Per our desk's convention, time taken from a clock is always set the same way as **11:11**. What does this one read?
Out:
**5:43**
